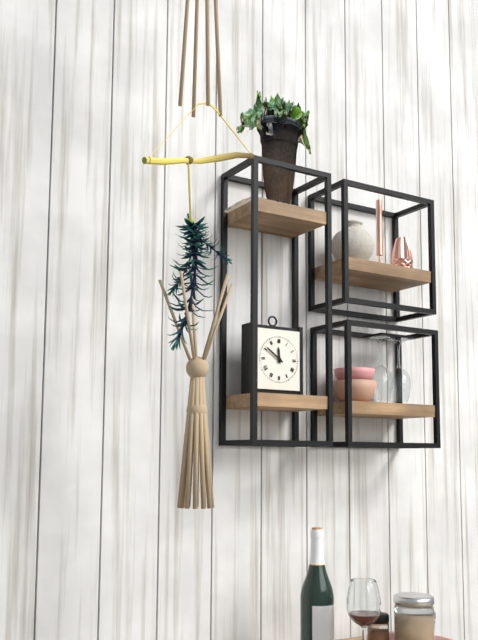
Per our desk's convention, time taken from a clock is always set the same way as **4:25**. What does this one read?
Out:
**11:51**
